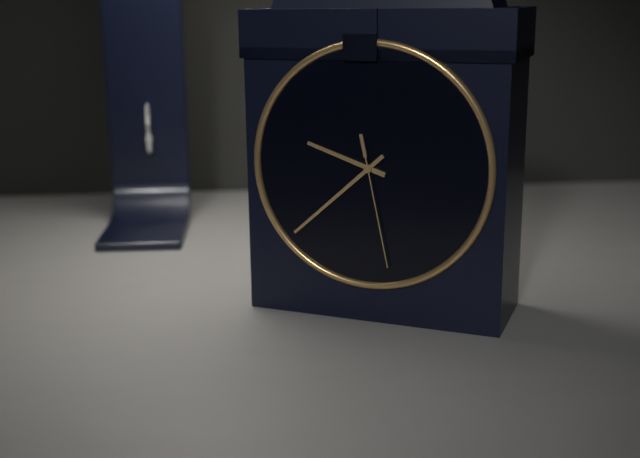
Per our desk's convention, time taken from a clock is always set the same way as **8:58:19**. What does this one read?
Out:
**9:38:28**
